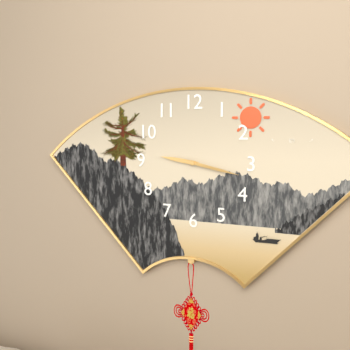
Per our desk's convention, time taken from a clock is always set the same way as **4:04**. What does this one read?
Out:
**9:17**
